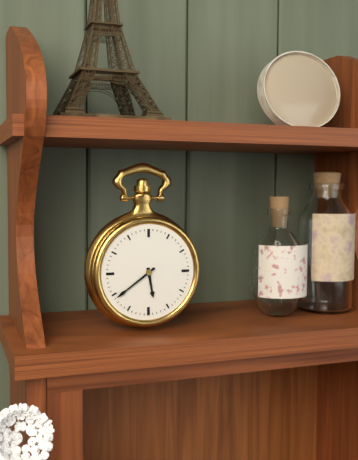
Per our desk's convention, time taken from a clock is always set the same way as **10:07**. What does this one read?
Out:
**5:39**
